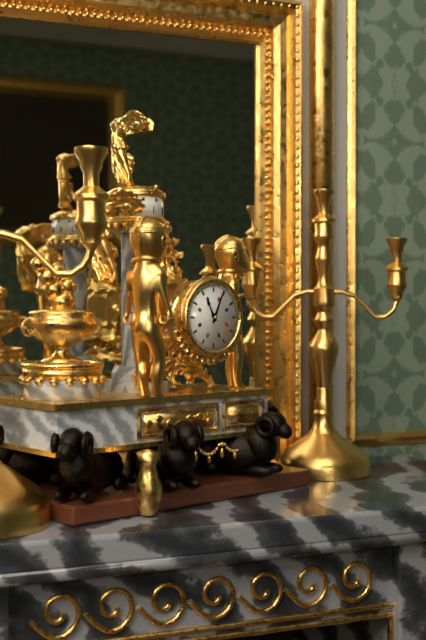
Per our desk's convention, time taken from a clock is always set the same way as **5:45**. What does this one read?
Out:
**11:04**
